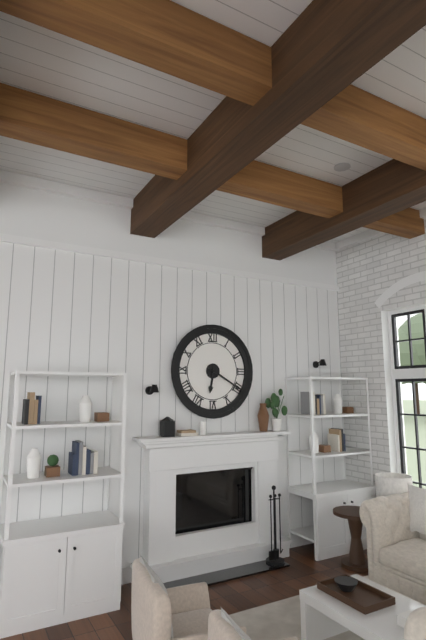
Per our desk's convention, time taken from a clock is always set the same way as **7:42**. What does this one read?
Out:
**6:20**
